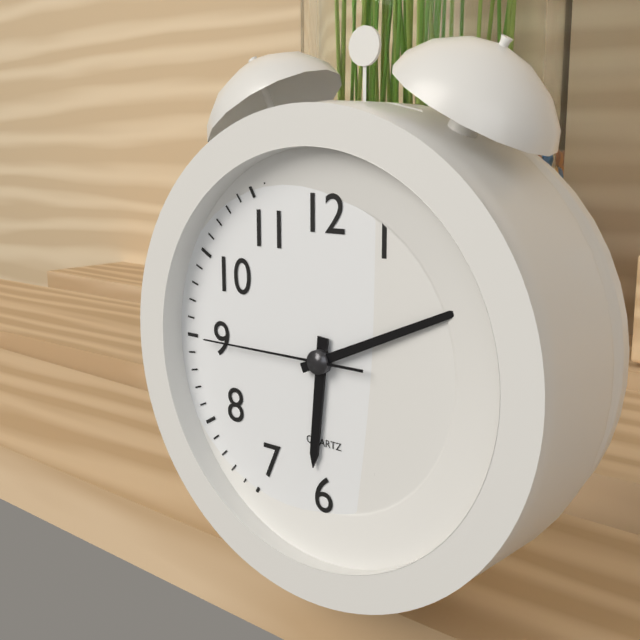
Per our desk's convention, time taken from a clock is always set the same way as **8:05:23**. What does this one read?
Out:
**6:11:45**
